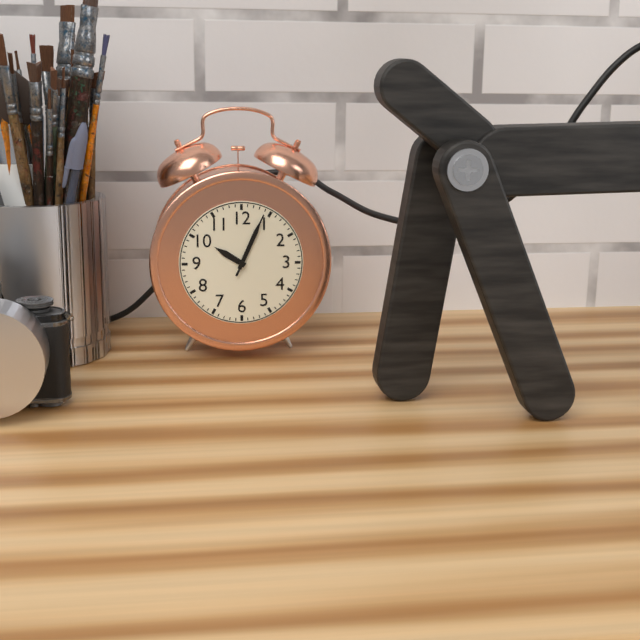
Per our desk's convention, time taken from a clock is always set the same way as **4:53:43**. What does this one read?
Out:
**10:04:04**
